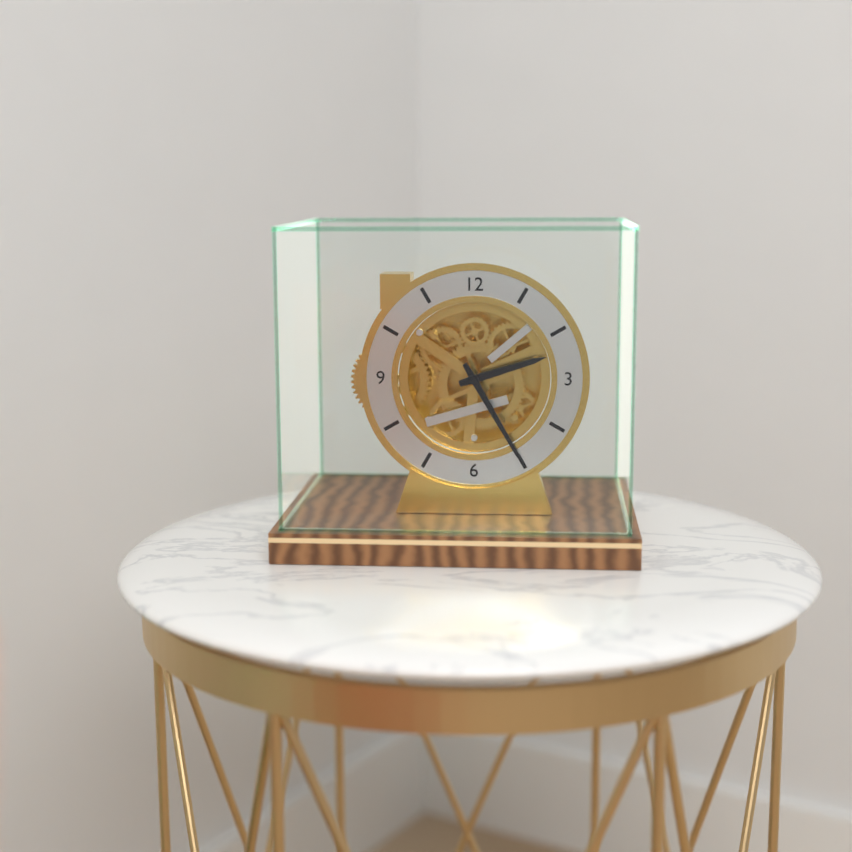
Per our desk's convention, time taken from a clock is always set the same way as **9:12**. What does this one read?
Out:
**2:25**
